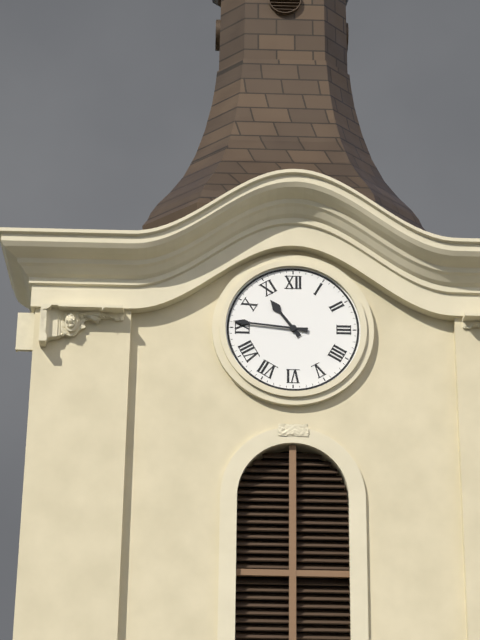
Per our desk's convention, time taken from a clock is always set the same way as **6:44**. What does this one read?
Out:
**10:46**
